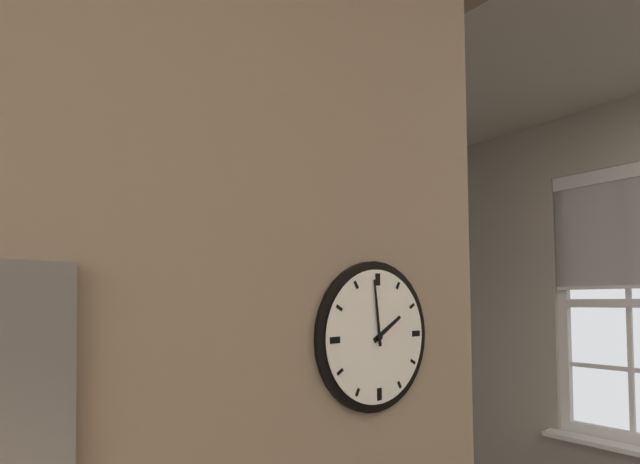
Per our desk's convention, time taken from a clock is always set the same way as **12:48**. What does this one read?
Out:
**1:59**
